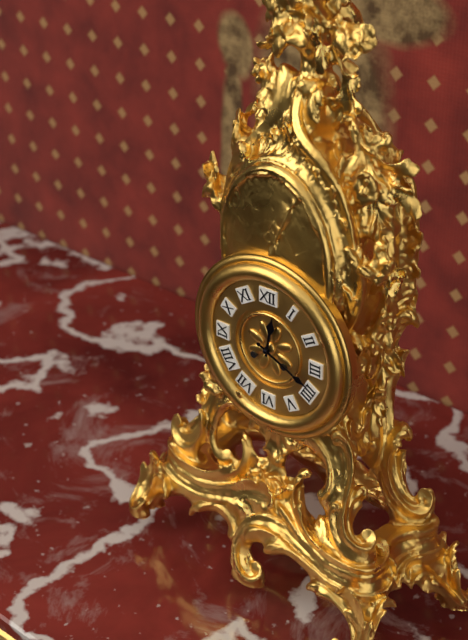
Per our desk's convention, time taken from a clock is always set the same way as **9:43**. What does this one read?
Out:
**12:19**
